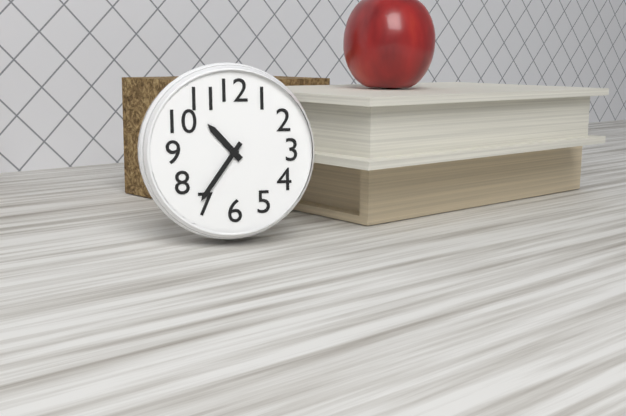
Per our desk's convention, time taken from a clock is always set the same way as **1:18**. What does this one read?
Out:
**10:36**
